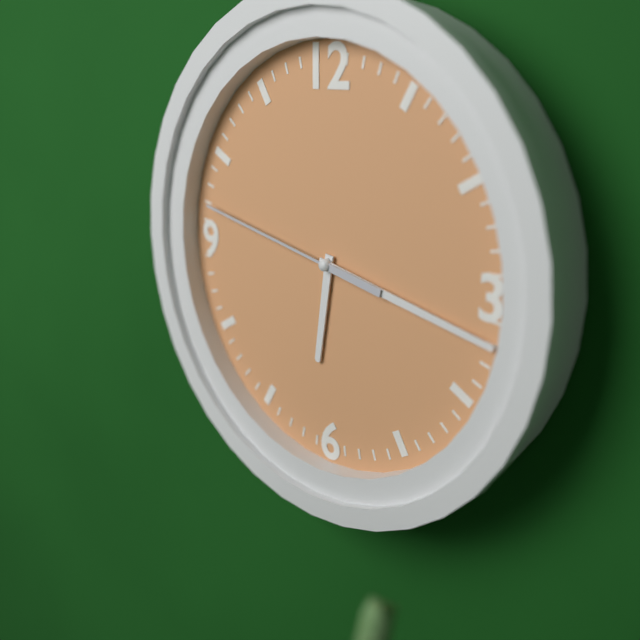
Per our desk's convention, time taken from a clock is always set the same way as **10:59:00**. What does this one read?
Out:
**6:17:47**
